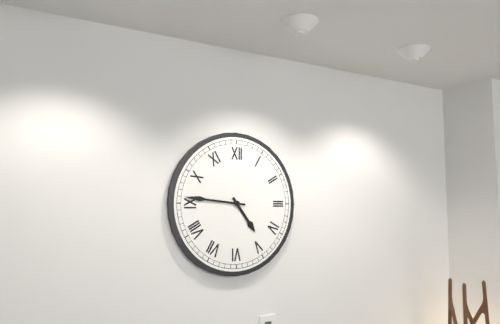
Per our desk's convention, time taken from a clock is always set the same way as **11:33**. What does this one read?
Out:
**4:46**
